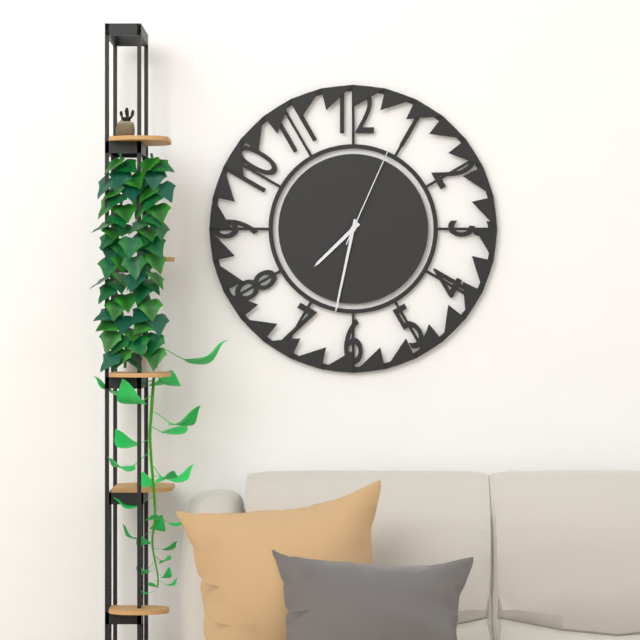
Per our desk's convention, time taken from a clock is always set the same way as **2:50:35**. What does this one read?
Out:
**7:32:04**
